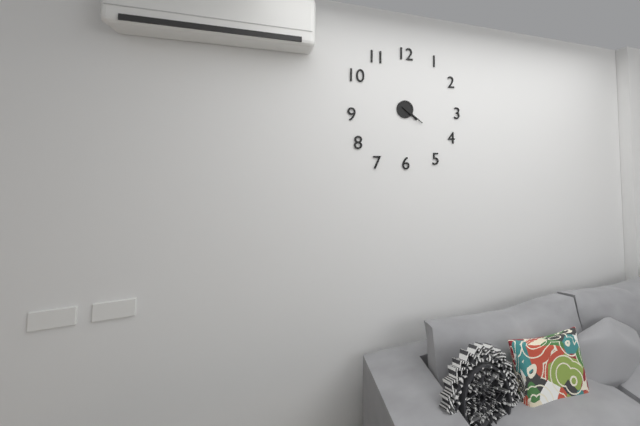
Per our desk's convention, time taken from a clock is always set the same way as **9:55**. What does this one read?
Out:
**4:21**
